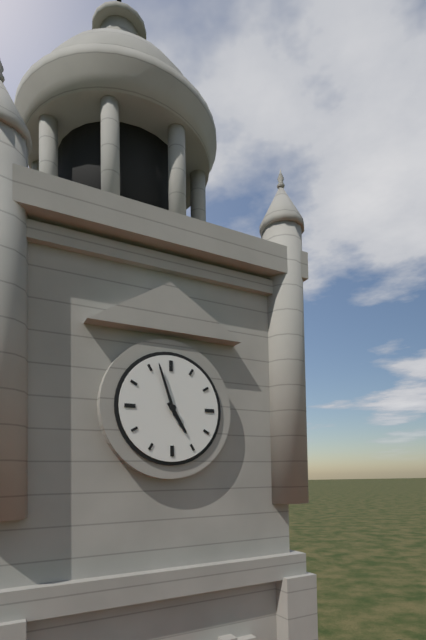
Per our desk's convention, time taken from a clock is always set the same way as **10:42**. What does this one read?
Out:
**4:57**
